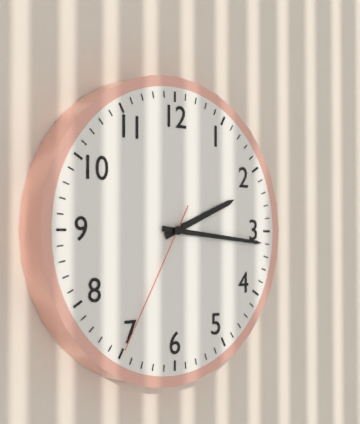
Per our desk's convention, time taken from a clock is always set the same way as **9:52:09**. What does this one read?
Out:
**2:16:35**
